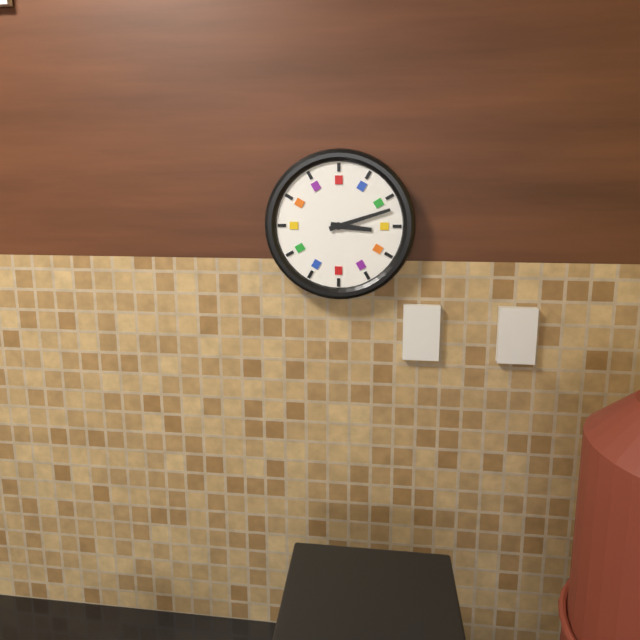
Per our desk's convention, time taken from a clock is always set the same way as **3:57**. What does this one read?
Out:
**3:12**
